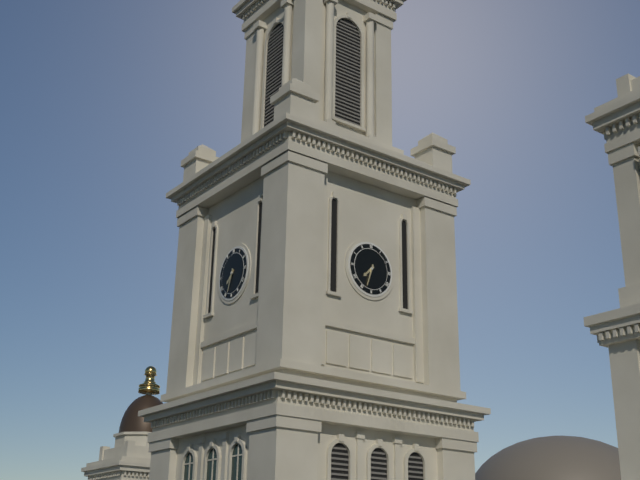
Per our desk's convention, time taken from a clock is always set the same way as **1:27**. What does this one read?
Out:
**7:33**
